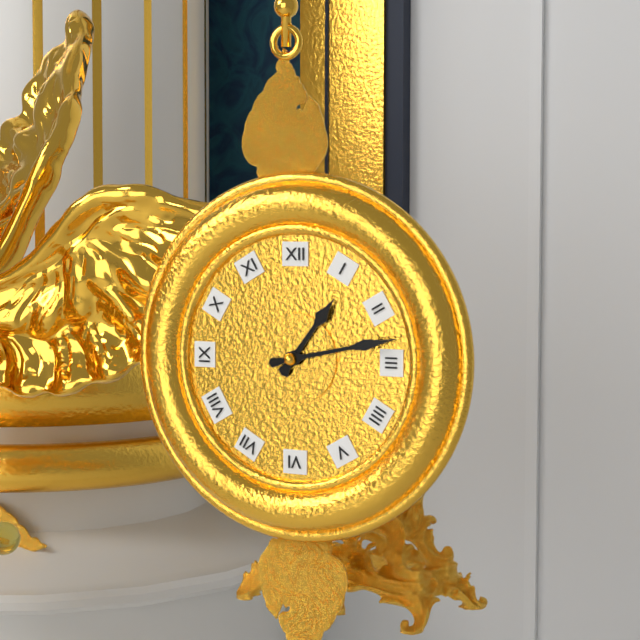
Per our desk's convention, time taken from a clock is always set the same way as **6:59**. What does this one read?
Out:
**1:13**
